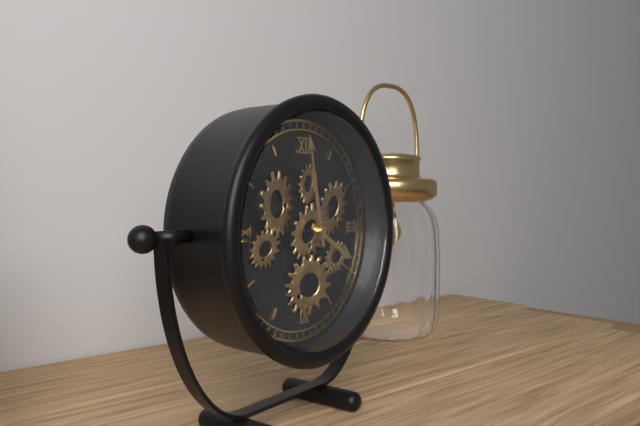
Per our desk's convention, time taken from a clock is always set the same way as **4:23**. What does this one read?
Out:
**3:58**
